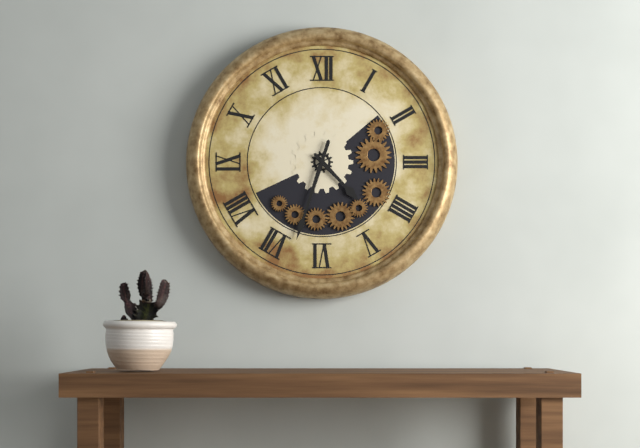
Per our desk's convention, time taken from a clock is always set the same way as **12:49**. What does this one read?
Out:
**4:33**
